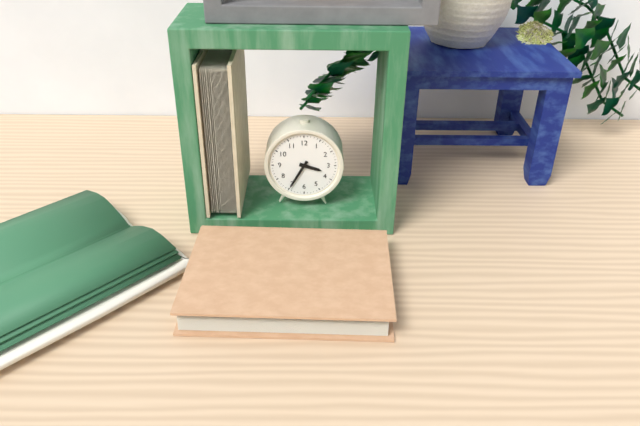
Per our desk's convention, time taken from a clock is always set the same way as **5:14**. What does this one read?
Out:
**3:35**
